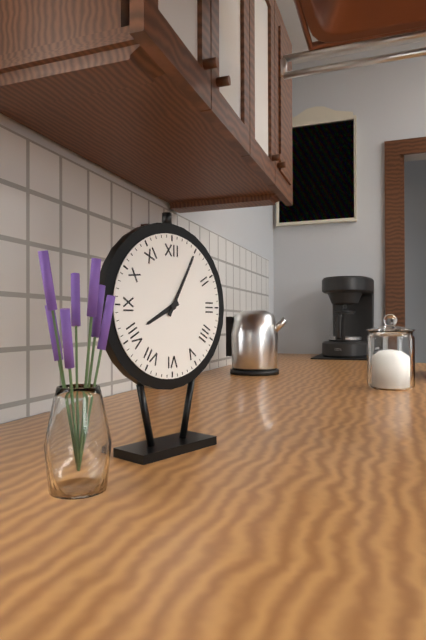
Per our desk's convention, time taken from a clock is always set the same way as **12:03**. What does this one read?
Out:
**8:05**
